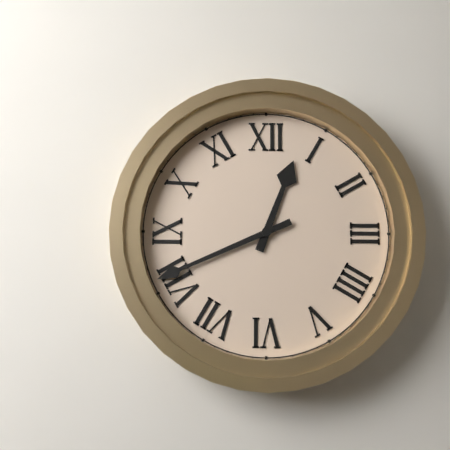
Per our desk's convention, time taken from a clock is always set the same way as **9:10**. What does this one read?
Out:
**12:41**
